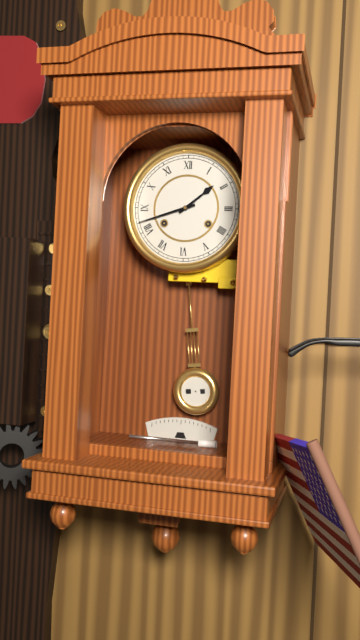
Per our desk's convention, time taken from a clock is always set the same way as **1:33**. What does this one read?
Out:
**1:42**
